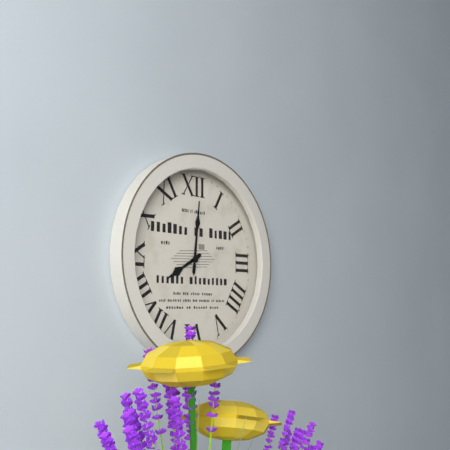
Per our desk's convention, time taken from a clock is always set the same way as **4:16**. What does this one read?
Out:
**8:01**
